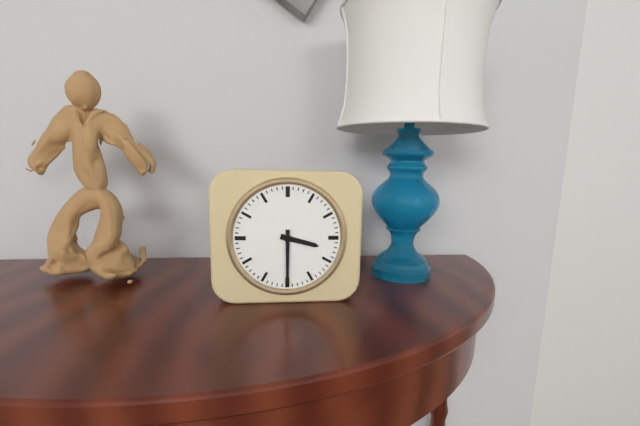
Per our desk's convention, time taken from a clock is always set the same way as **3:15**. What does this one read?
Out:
**3:30**
